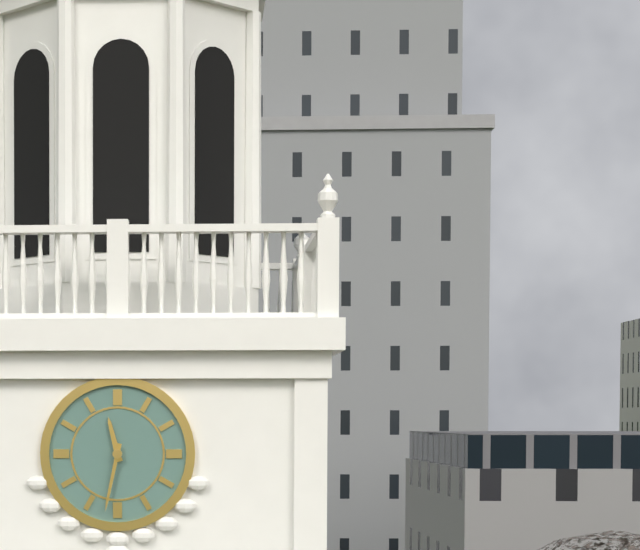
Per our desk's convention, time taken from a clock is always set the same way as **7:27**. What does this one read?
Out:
**11:32**
